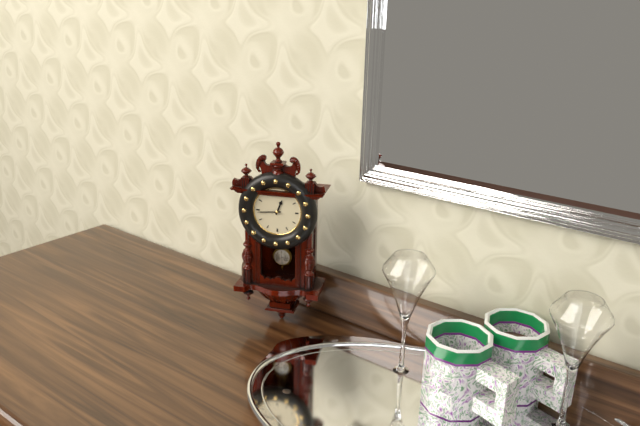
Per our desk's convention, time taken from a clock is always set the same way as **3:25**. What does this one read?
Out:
**12:44**
